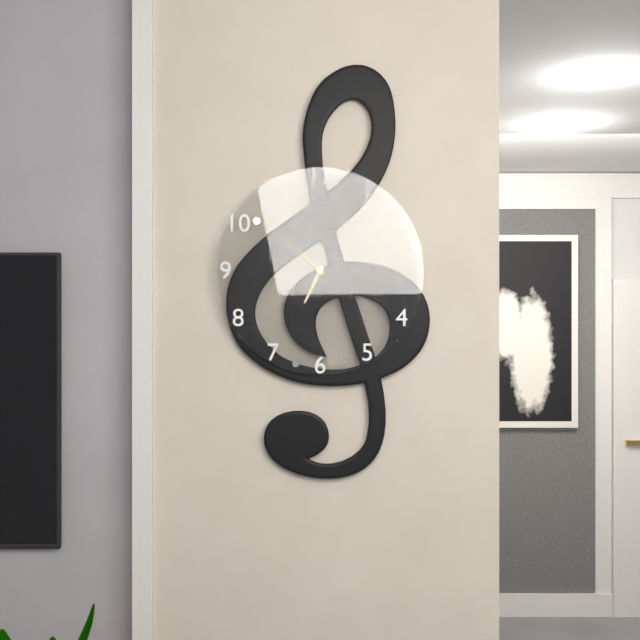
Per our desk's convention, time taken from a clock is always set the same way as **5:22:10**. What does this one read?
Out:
**6:52:52**
